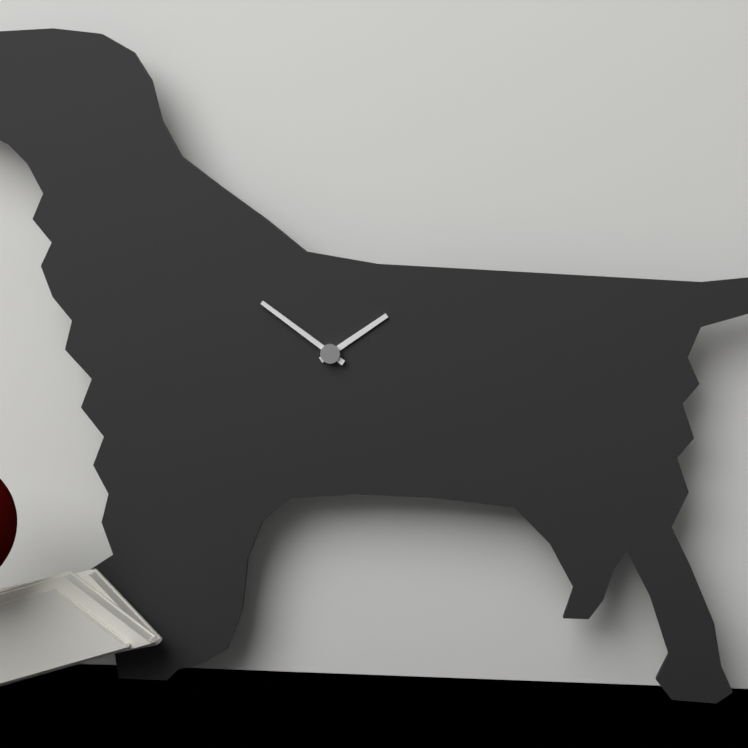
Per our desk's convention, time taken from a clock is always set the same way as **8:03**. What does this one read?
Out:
**1:51**
